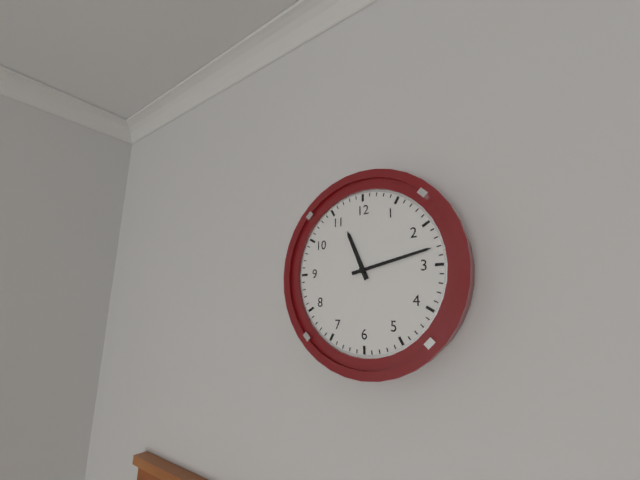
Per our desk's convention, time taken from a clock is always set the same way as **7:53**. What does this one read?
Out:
**11:13**
